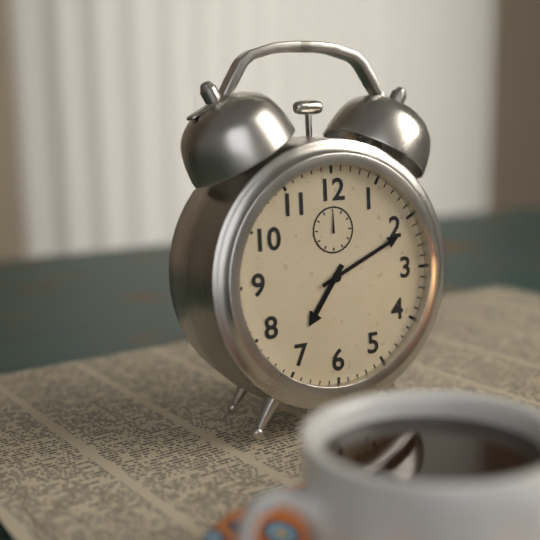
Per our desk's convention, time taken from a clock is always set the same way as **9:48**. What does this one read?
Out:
**7:11**
